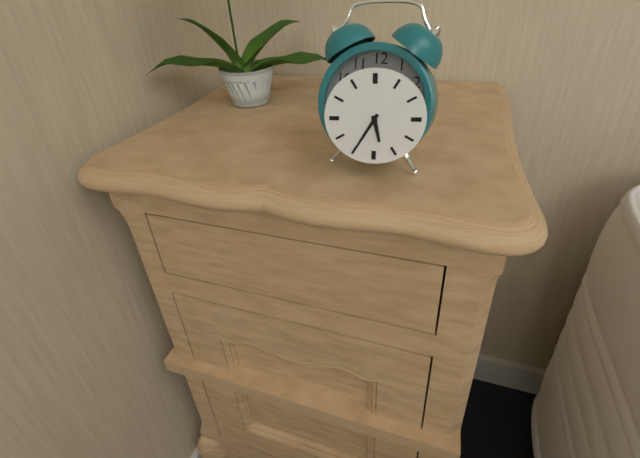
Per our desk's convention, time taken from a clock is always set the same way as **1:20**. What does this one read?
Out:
**5:35**
